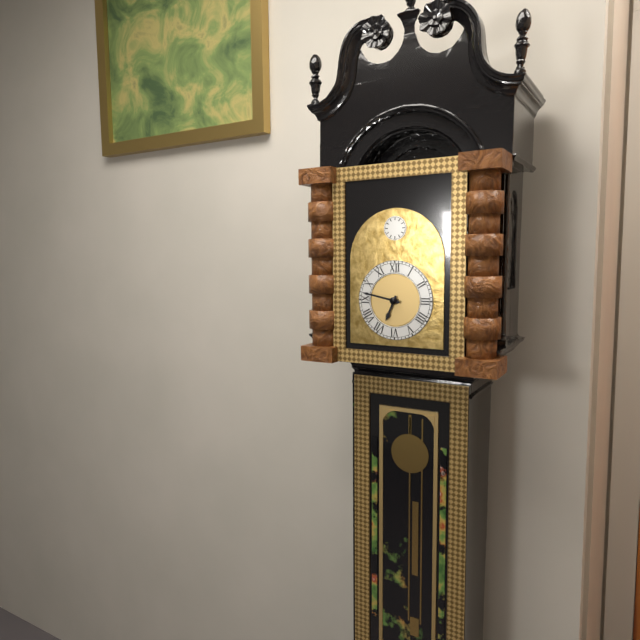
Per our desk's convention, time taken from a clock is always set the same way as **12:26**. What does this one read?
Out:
**6:47**
